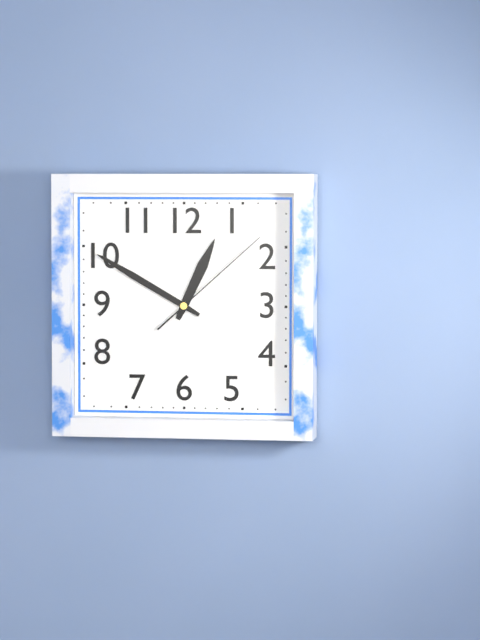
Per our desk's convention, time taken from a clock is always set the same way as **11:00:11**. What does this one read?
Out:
**12:50:08**
